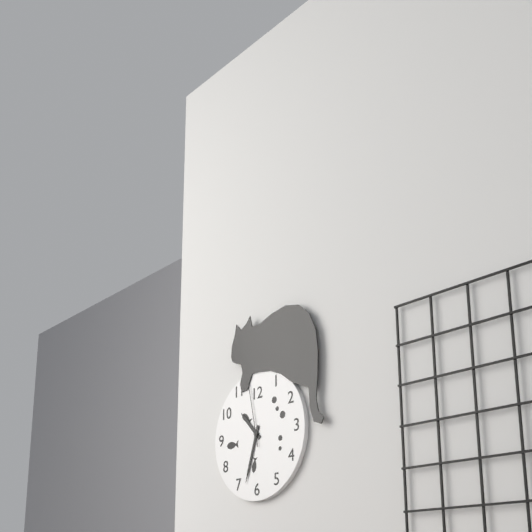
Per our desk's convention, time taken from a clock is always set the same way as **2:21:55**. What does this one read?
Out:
**10:33:58**
